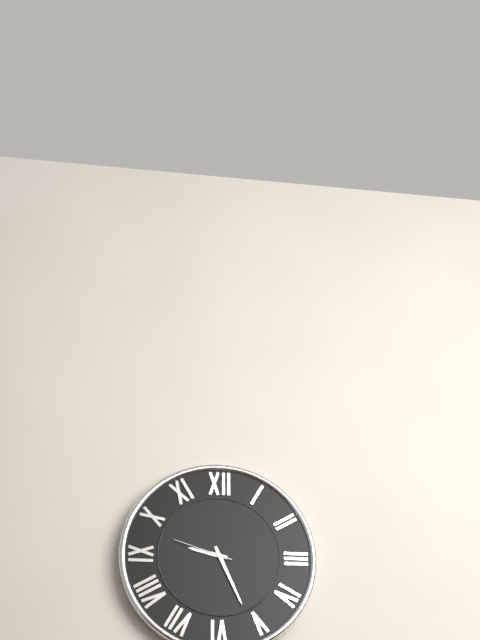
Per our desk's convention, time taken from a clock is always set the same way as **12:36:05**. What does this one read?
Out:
**9:26:48**
